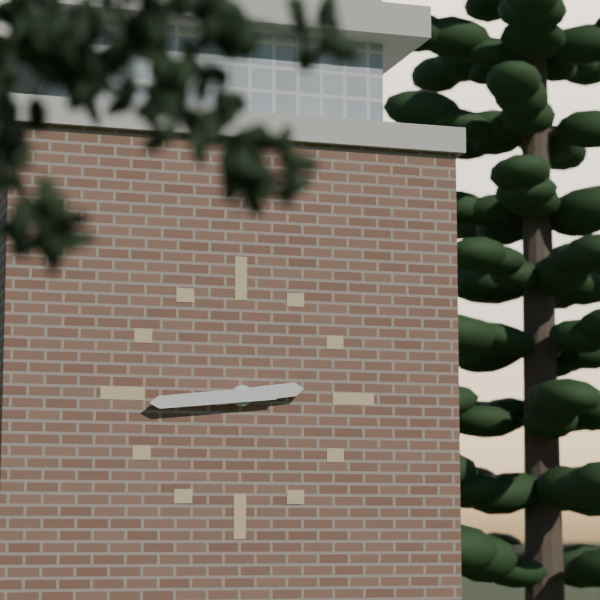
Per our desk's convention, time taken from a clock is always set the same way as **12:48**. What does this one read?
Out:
**2:44**
